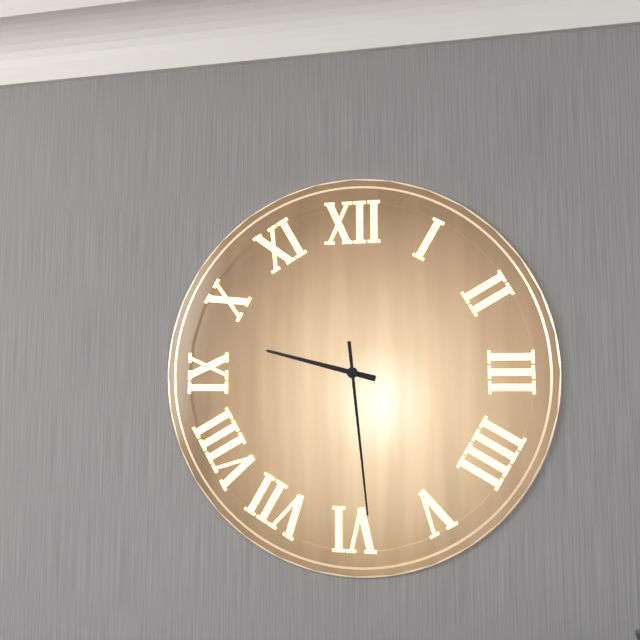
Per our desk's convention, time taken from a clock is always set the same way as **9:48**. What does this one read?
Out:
**9:29**
